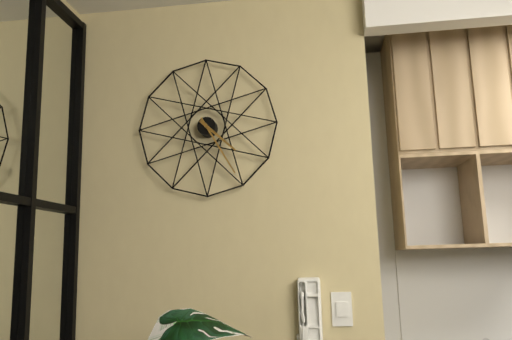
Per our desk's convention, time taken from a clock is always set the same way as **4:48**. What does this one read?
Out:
**4:25**
